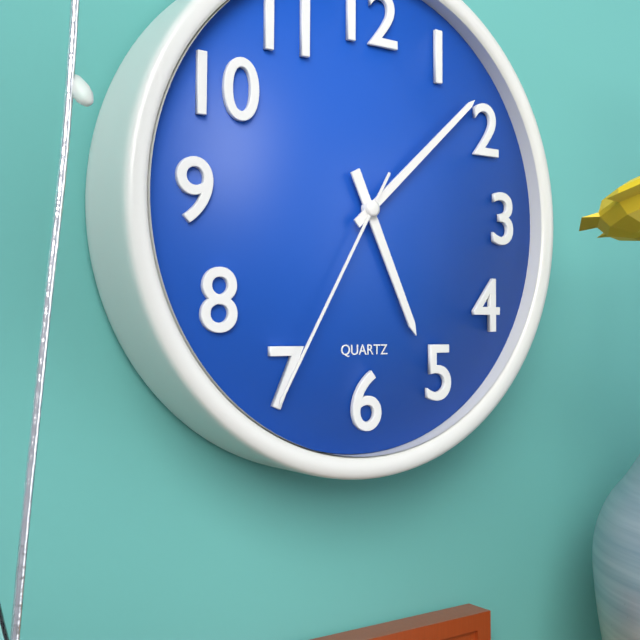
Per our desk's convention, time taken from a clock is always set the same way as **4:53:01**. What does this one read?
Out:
**5:08:35**
